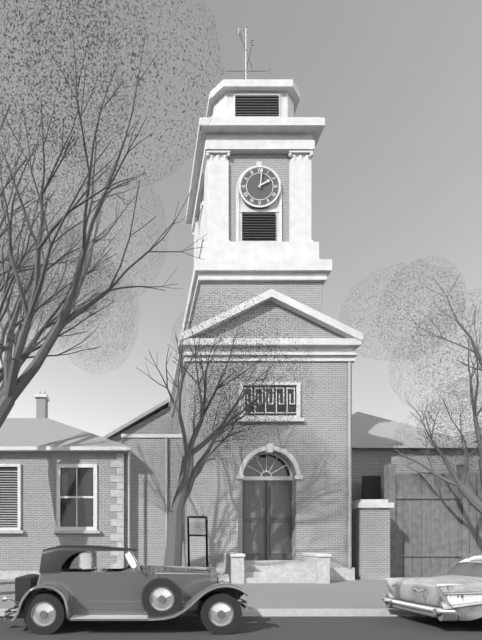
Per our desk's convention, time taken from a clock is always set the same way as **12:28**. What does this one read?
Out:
**2:01**
